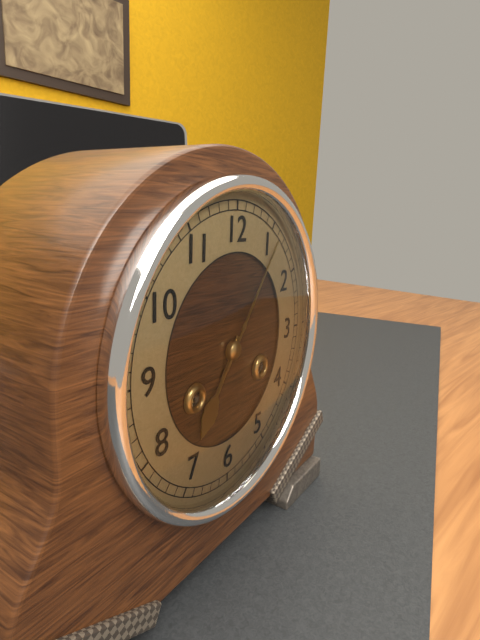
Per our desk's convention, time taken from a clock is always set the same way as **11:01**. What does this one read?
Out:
**7:06**
